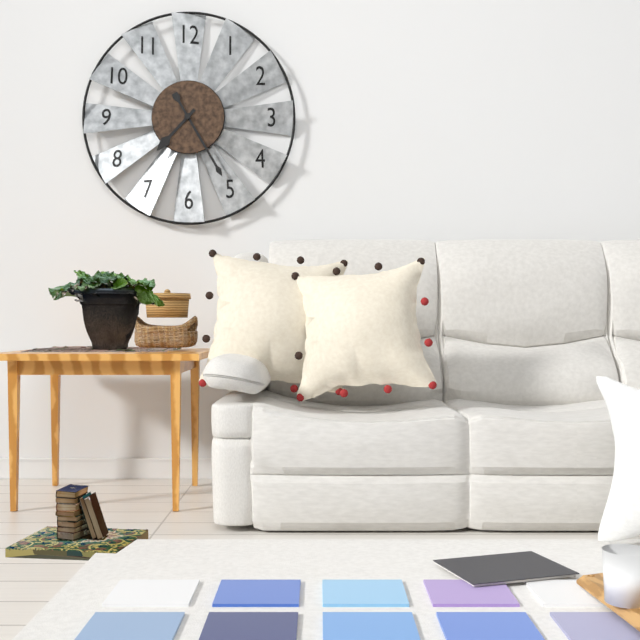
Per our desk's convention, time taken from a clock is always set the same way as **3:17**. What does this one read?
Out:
**7:25**
